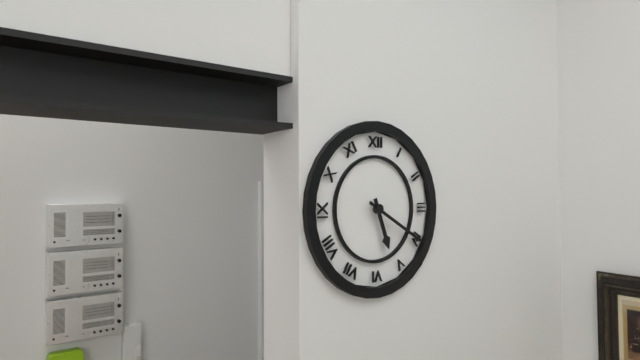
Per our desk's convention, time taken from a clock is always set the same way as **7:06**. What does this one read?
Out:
**5:20**
